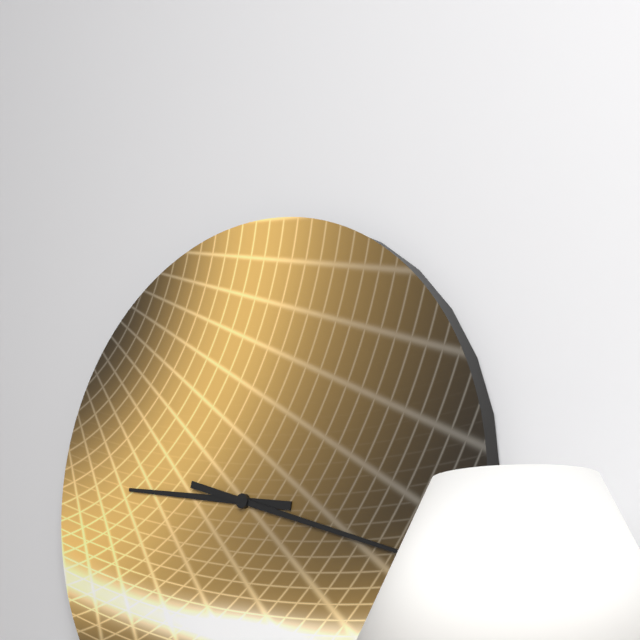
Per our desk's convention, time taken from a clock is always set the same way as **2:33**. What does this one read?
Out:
**9:18**
